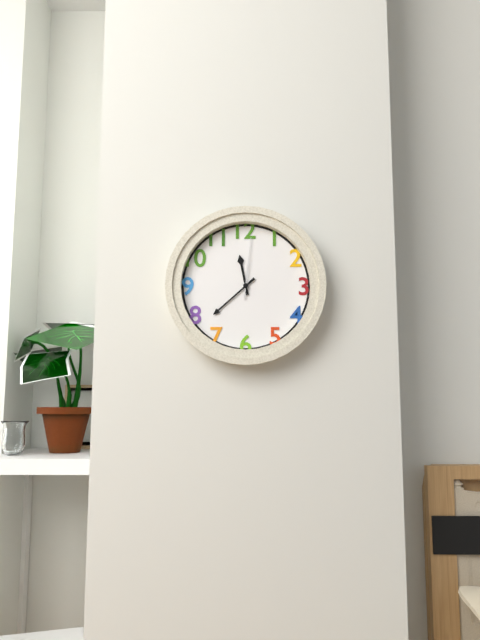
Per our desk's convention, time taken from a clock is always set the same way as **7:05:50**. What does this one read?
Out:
**11:38:01**
